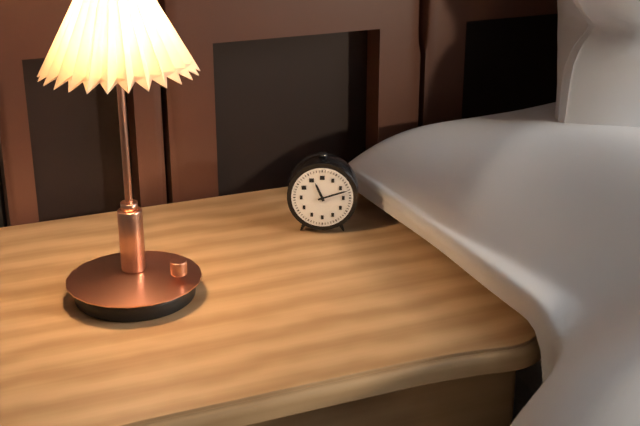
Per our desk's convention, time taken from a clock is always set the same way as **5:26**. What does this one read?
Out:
**11:12**
